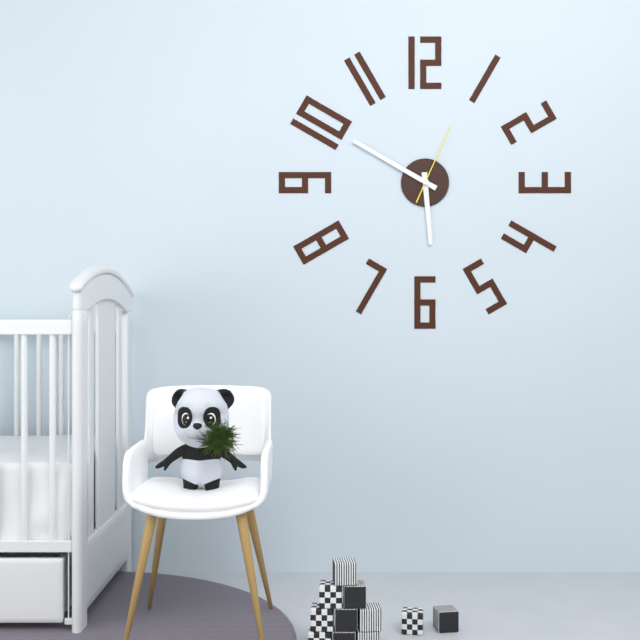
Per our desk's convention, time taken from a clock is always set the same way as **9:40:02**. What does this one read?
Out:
**5:50:04**
